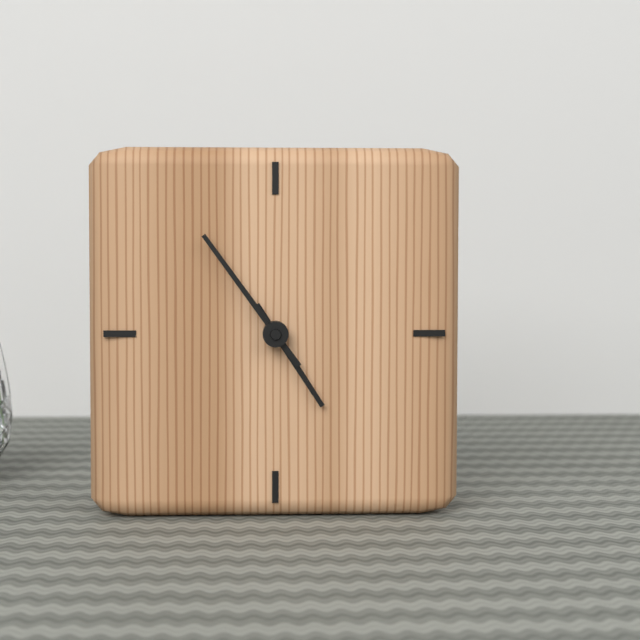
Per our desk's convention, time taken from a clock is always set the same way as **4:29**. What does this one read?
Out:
**4:54**
